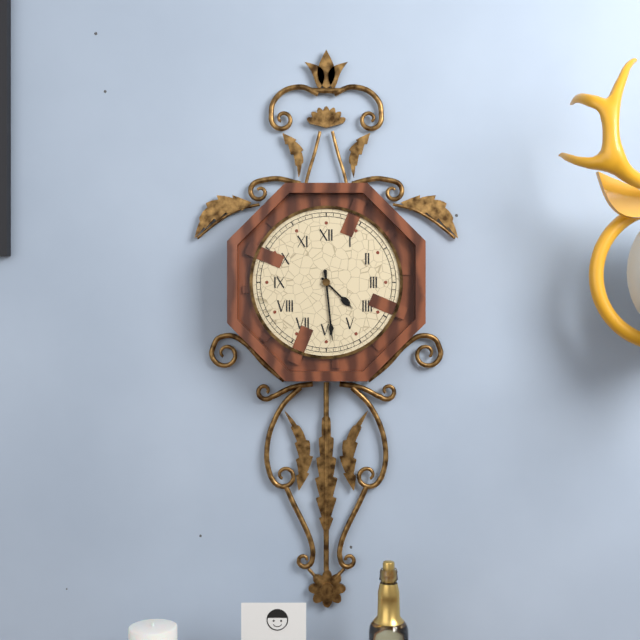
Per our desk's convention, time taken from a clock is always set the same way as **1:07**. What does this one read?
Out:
**4:29**
